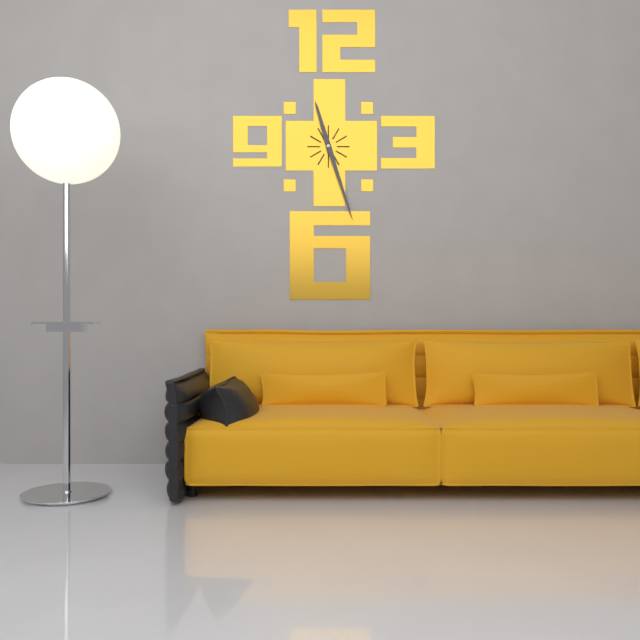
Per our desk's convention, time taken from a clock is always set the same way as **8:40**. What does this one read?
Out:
**11:27**
